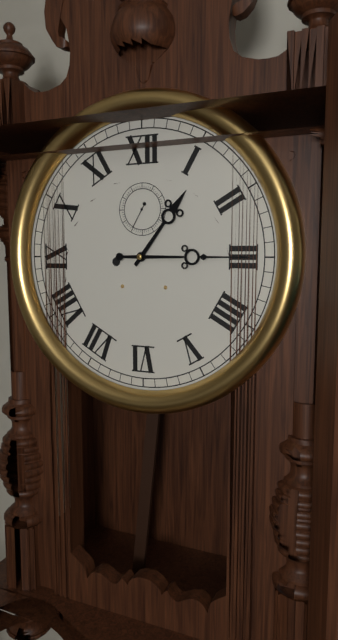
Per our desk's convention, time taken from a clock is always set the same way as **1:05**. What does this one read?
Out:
**1:15**
